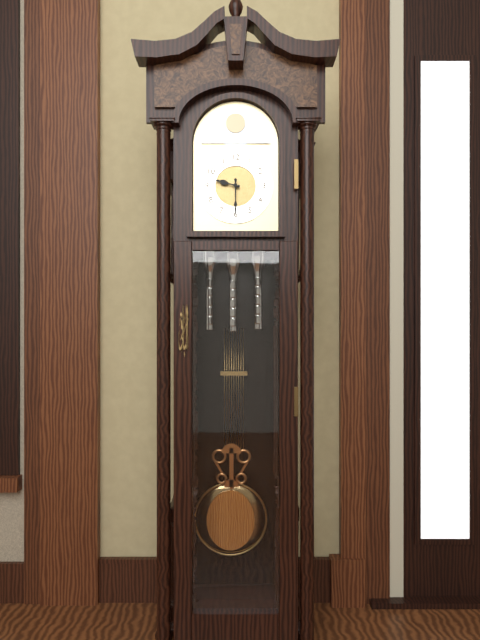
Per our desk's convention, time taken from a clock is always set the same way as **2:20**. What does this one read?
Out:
**9:30**
